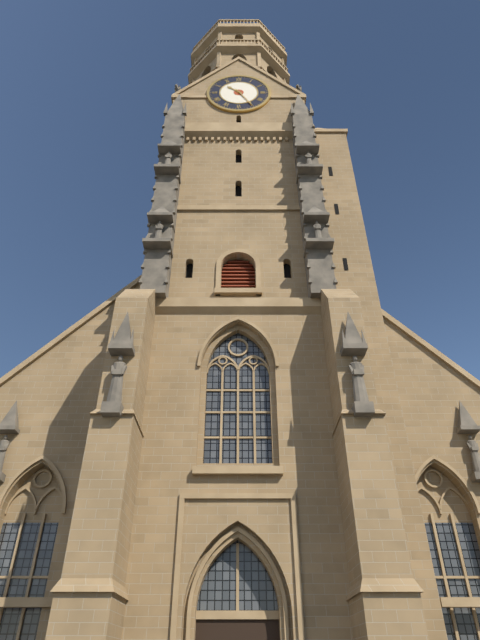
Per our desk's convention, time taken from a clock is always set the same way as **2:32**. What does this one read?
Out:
**10:25**
